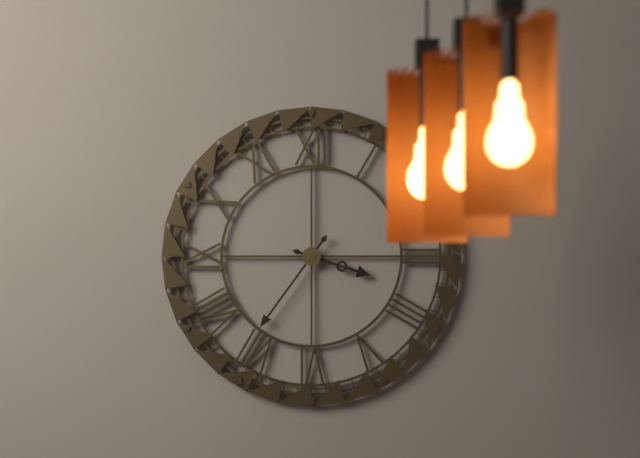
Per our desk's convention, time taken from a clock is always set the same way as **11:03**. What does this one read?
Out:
**3:36**
